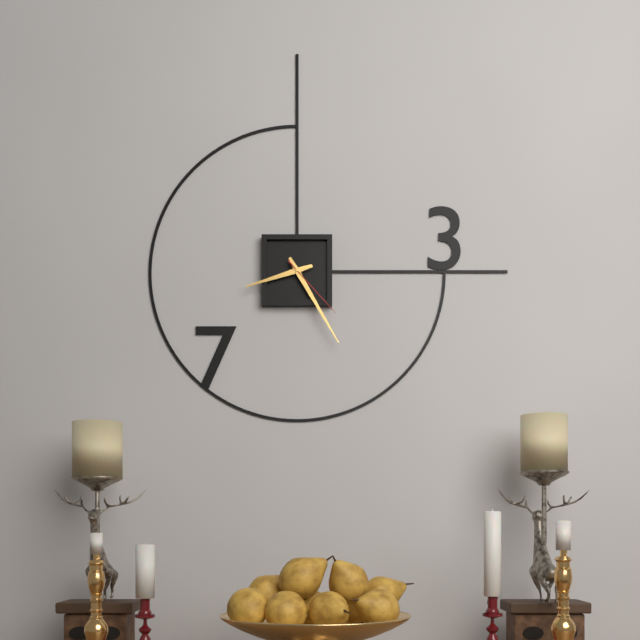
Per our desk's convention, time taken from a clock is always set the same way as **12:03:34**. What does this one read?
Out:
**8:25:23**
